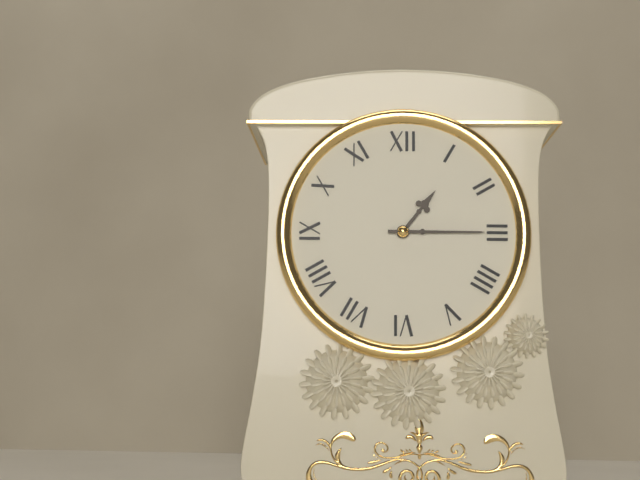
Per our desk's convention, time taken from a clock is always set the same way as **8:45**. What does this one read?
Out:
**1:15**
